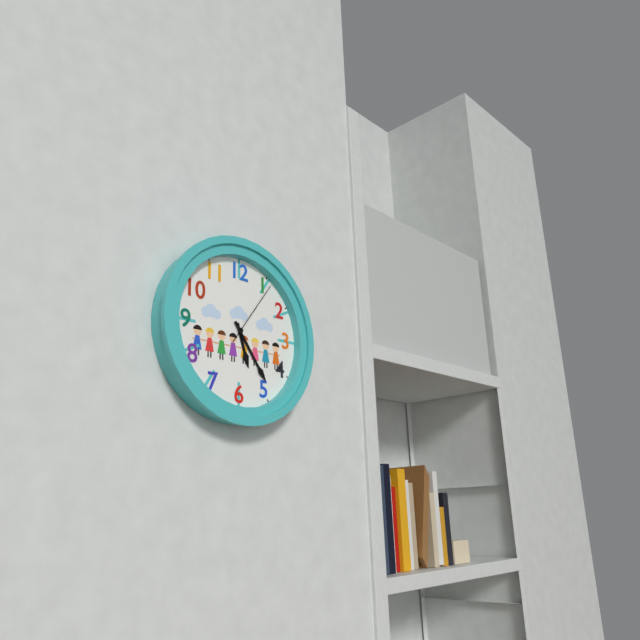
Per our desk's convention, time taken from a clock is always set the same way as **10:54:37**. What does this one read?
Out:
**5:24:06**
